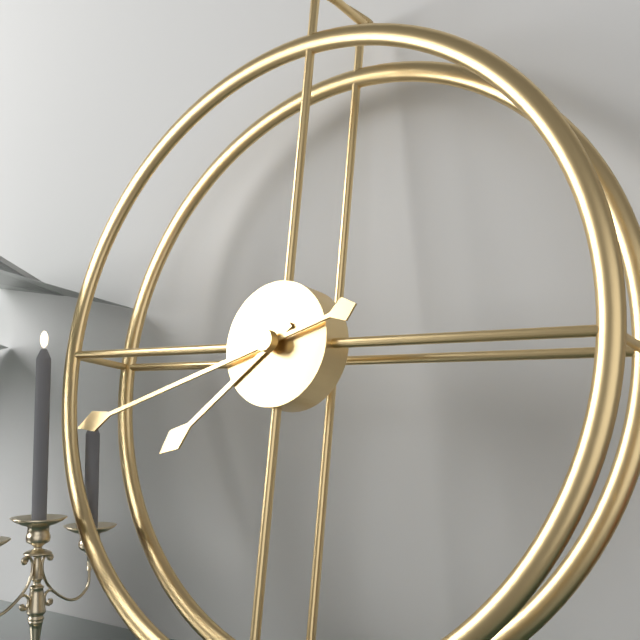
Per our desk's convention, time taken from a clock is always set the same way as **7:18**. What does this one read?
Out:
**7:42**
